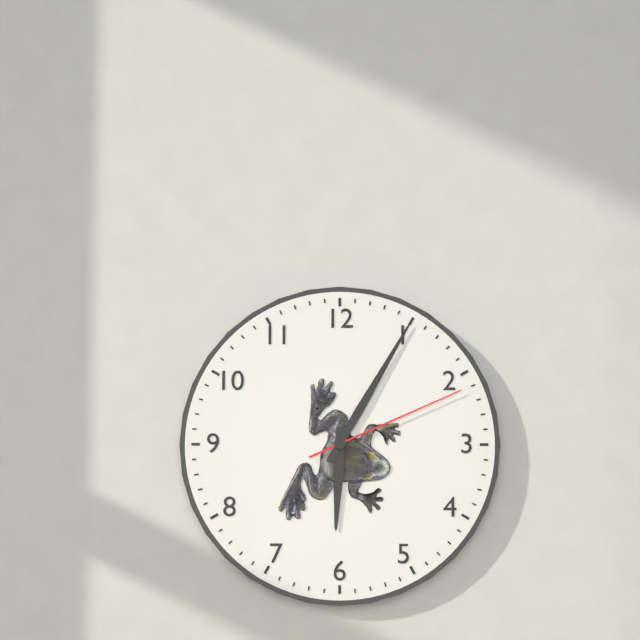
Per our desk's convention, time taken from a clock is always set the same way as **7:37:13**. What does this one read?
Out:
**6:05:11**
